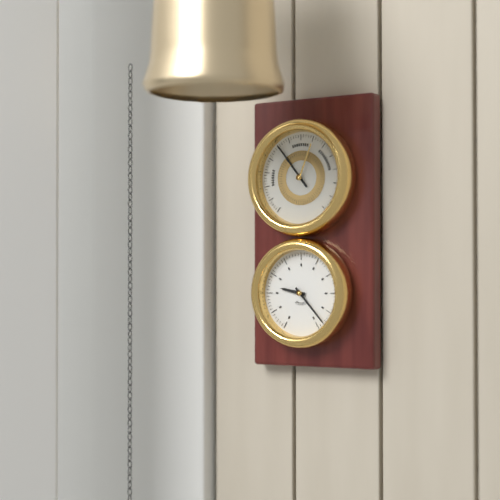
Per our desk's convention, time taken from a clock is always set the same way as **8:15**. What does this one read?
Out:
**9:23**
